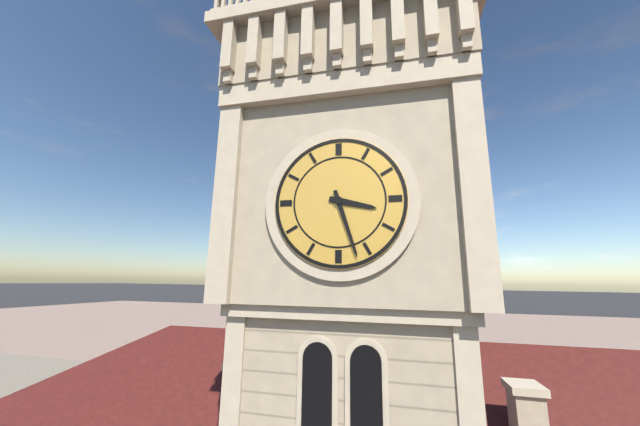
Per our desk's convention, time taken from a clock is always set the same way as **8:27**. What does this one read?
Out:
**3:27**
